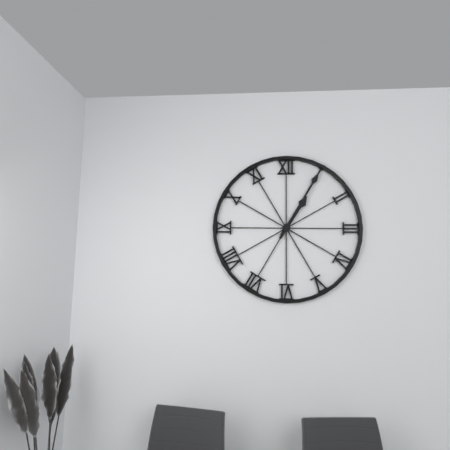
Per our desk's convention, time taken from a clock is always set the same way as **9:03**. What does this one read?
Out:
**1:05**
